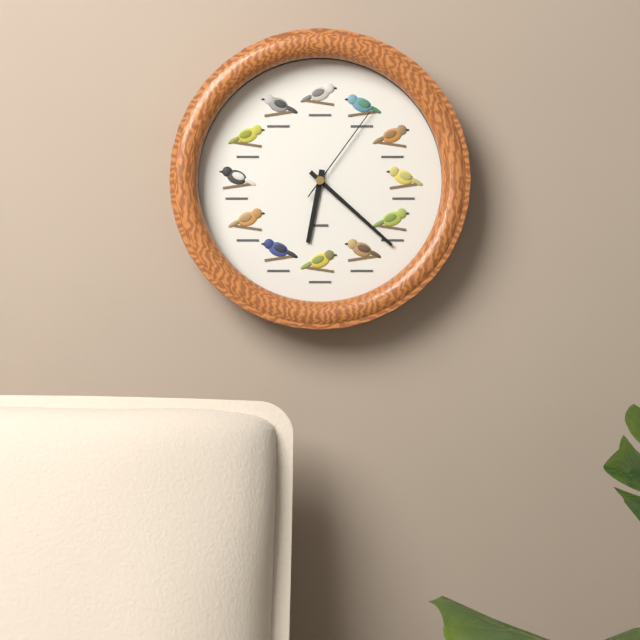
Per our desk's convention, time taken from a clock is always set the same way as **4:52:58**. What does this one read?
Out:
**6:22:06**
